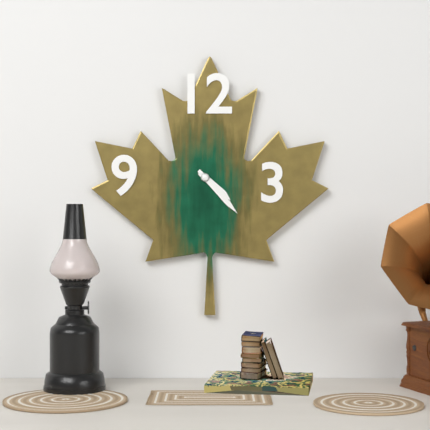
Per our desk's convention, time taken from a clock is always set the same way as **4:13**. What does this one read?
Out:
**4:23**
